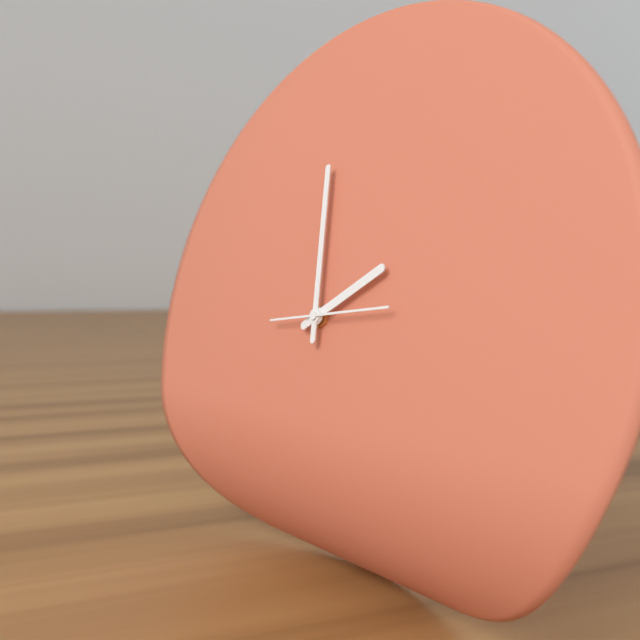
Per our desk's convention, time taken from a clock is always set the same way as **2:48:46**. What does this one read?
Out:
**1:59:14**
